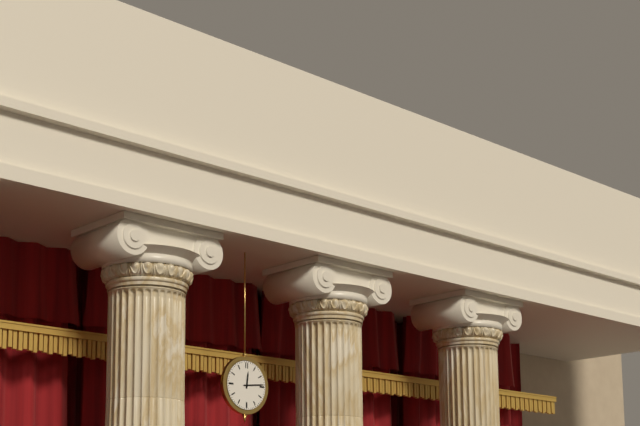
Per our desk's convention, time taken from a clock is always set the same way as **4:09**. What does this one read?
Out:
**12:14**
